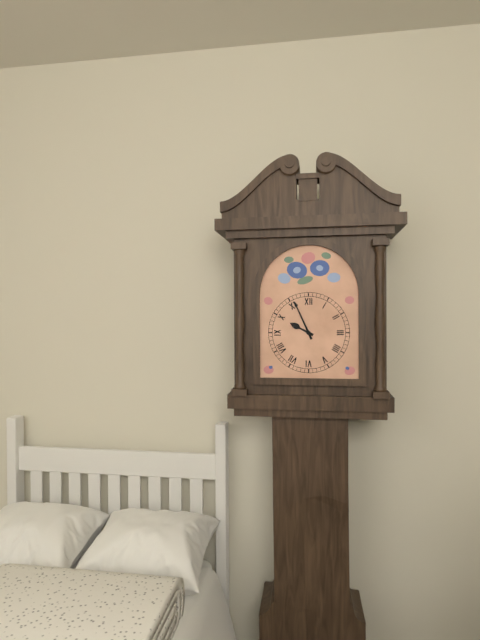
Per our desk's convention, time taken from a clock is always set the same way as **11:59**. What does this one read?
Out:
**9:56**
